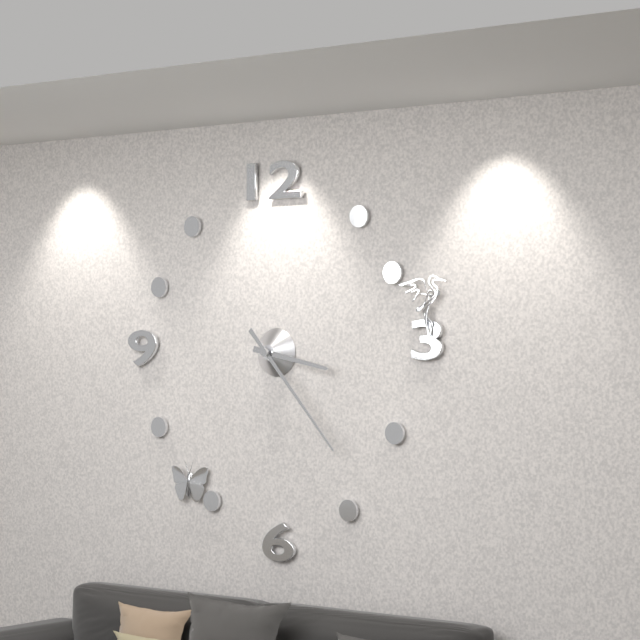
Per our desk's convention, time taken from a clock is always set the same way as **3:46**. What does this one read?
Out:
**3:23**
